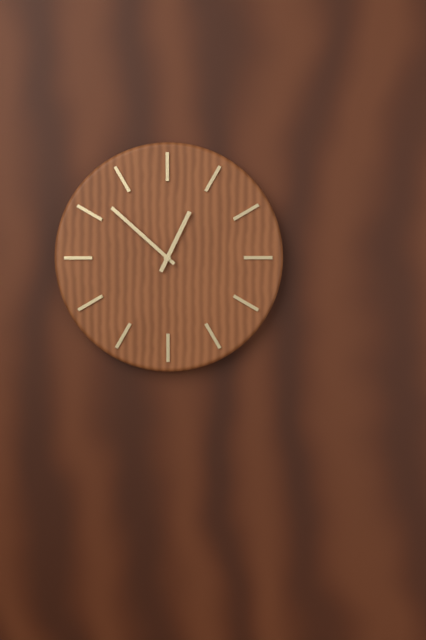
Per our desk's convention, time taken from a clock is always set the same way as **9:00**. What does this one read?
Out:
**12:52**
